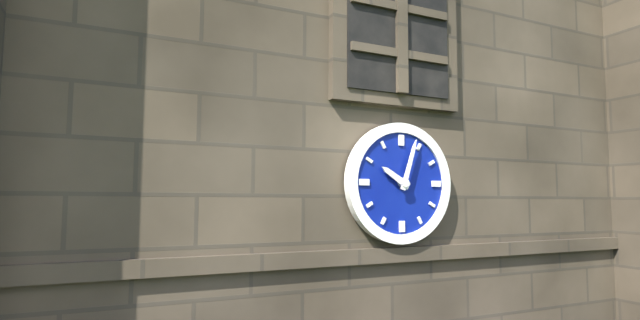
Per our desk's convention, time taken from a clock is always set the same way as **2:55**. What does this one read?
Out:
**10:03**
